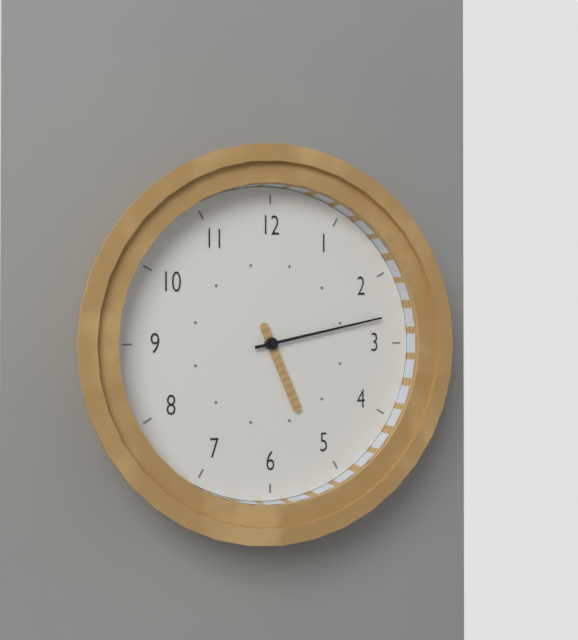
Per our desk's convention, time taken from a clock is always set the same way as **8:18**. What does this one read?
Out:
**5:13**
